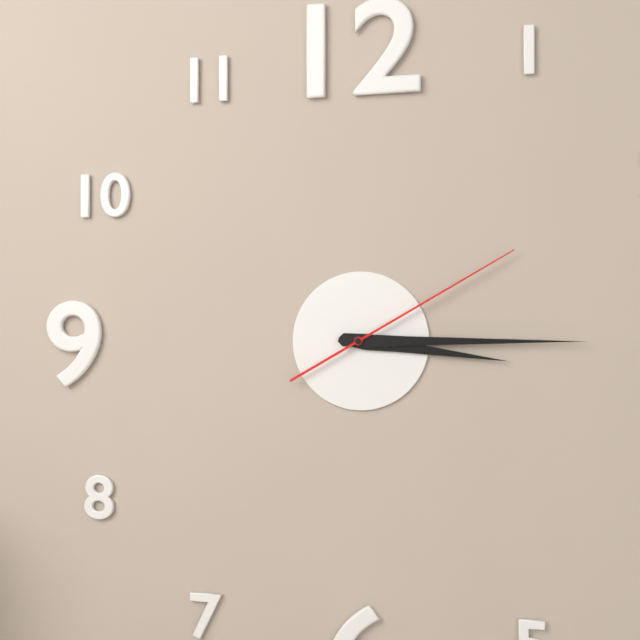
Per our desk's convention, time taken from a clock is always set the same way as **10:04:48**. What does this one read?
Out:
**3:15:10**
